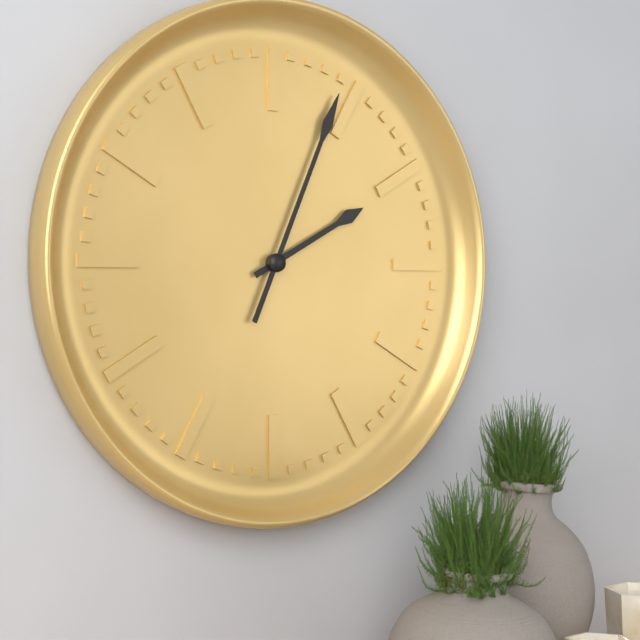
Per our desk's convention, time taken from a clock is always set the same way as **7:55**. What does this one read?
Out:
**2:04**
